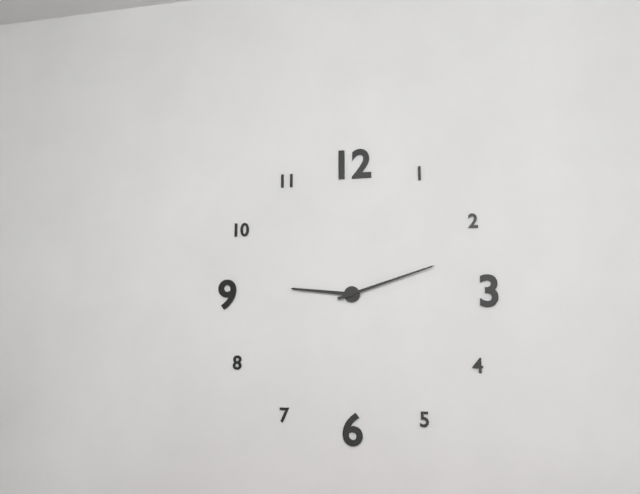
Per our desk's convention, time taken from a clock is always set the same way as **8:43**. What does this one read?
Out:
**9:12**
